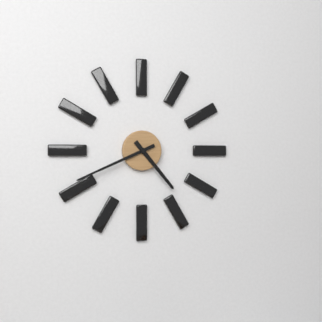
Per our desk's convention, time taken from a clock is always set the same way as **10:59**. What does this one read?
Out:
**4:41**
